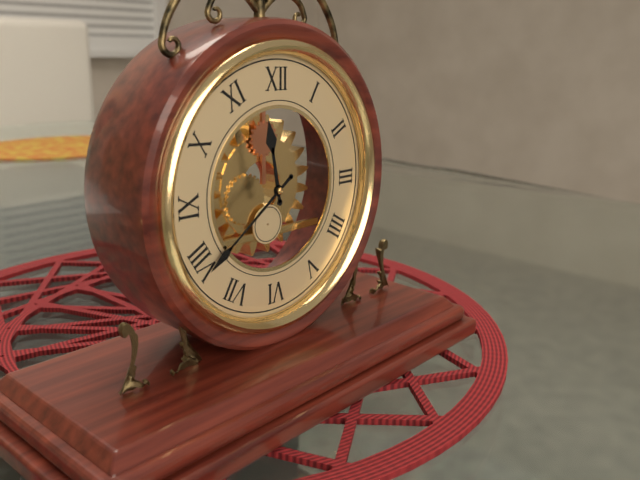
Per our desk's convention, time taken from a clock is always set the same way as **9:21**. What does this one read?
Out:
**11:39**
